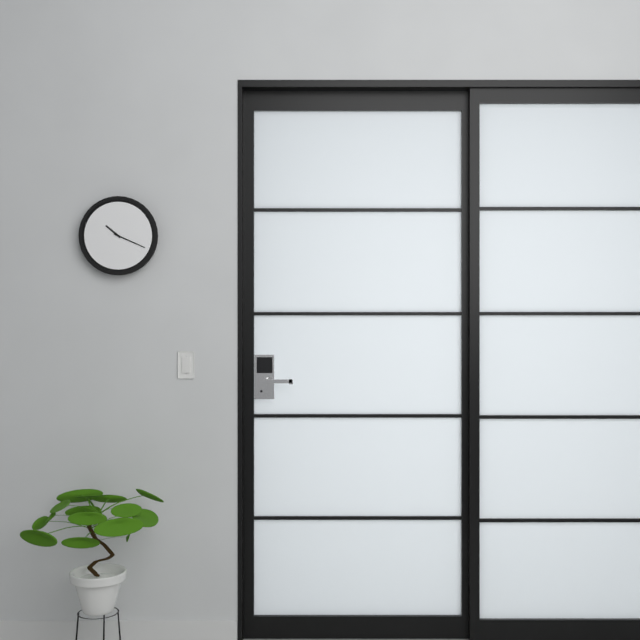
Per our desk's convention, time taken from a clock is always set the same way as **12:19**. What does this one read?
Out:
**10:19**
